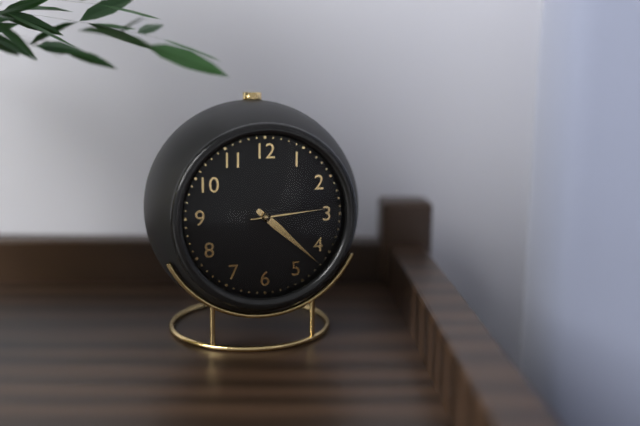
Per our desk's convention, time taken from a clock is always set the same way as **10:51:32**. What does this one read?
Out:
**4:22:14**
